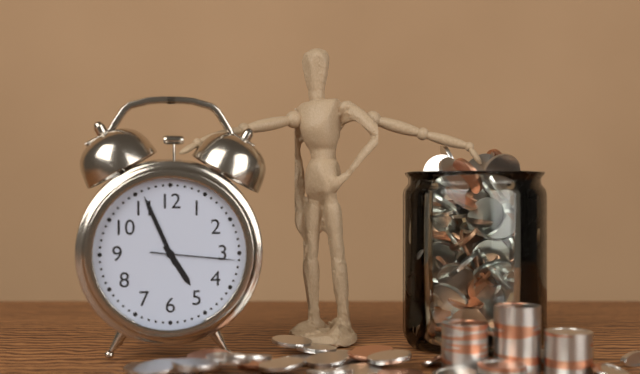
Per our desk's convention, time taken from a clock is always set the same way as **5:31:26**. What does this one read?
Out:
**4:56:16**
